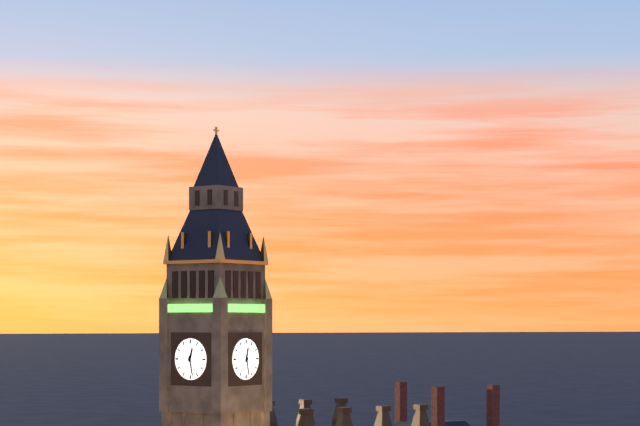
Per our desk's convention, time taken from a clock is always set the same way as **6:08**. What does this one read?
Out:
**12:28**
